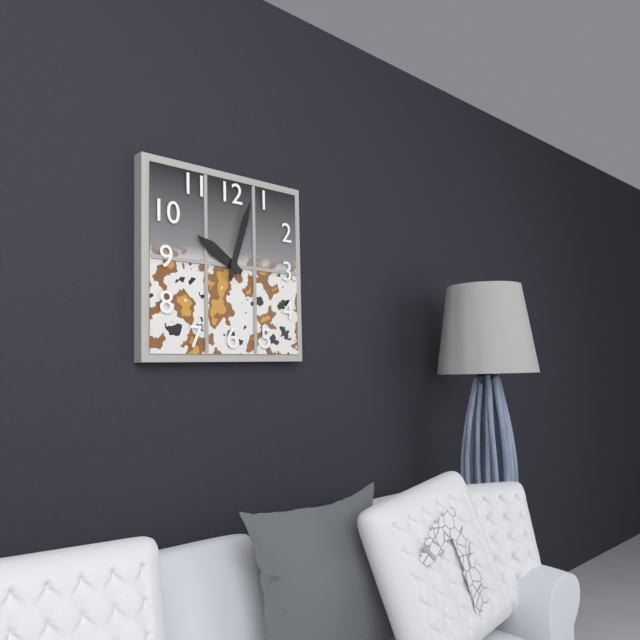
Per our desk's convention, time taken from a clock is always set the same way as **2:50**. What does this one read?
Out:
**10:03**
